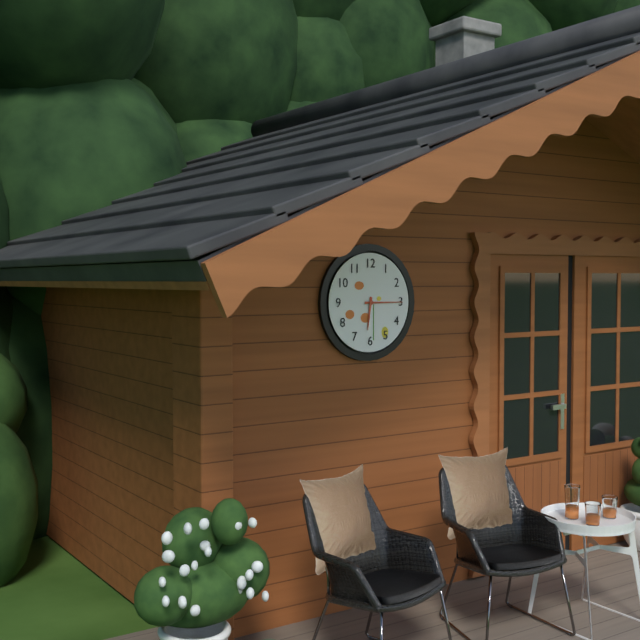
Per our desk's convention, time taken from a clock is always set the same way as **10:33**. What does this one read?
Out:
**6:15**
